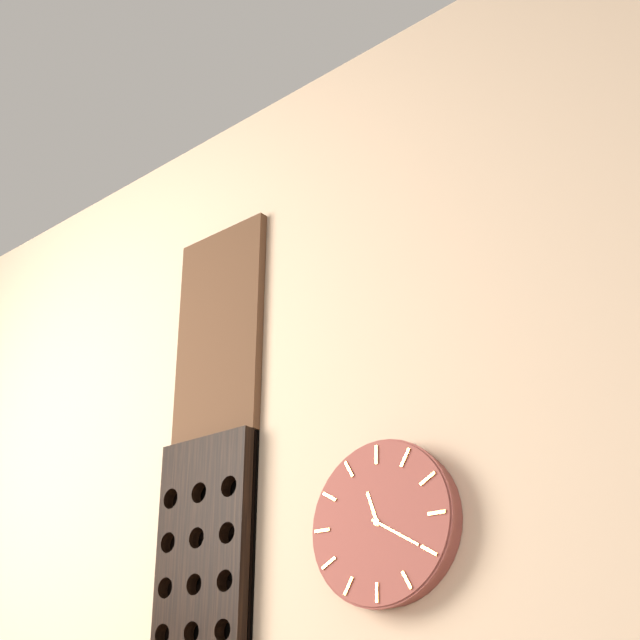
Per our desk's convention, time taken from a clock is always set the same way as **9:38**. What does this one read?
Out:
**11:20**
